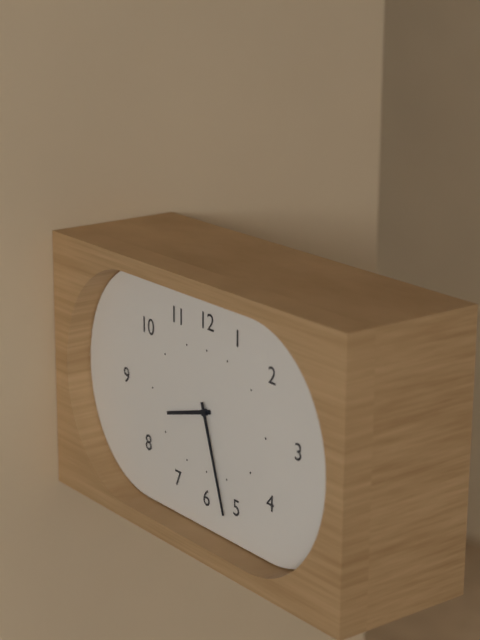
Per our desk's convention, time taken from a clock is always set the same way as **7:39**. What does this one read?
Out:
**8:27**
